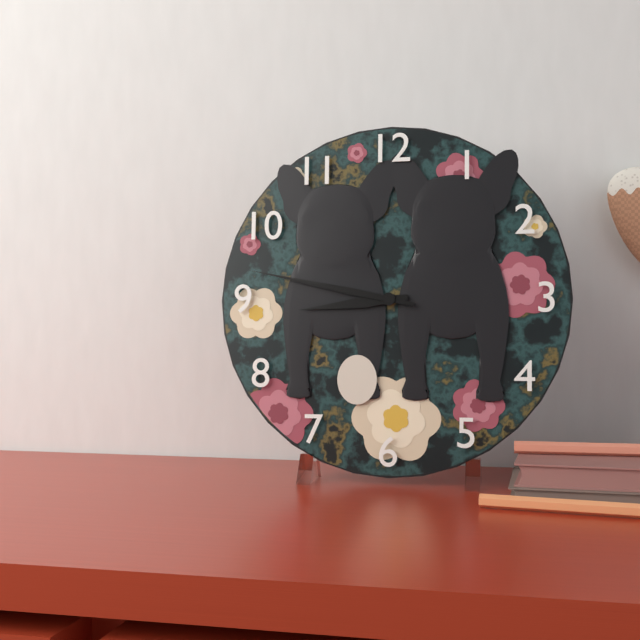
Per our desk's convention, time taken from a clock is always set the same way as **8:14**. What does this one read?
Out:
**8:47**
